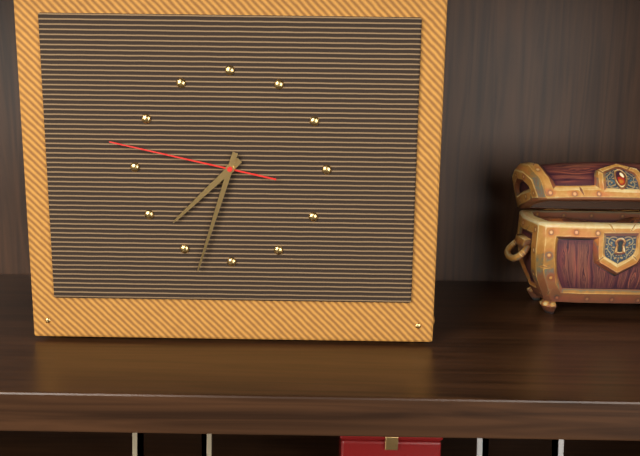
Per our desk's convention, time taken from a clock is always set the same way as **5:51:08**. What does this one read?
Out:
**7:33:47**
